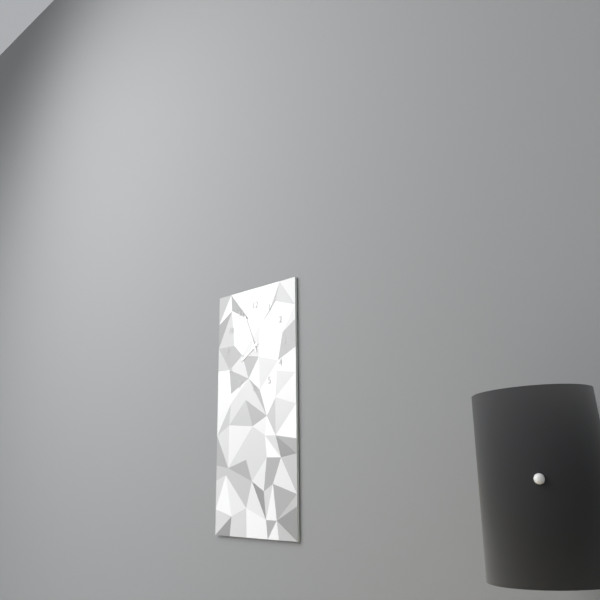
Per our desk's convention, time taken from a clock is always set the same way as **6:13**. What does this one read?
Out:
**7:56**
